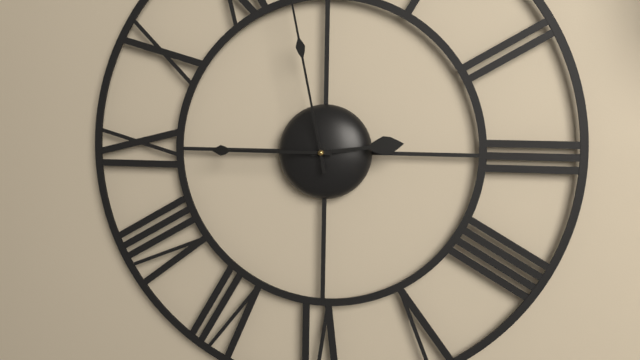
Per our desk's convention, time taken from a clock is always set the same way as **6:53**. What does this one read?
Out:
**2:45**
